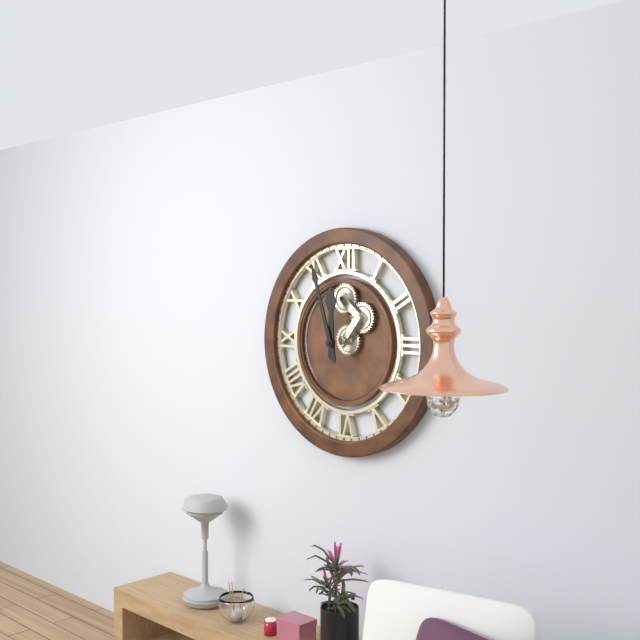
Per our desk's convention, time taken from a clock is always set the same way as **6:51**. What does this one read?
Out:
**11:57**
